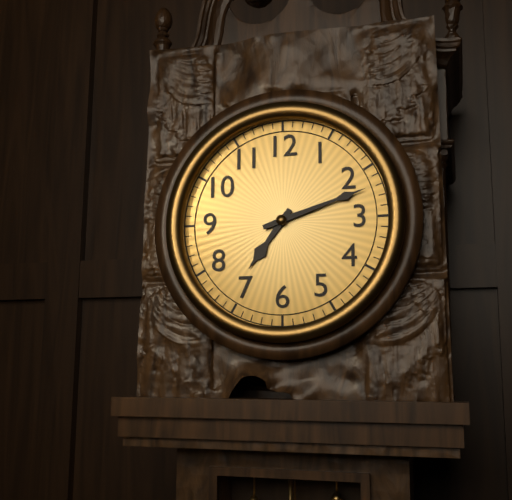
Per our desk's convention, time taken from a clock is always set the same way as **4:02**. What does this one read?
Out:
**7:12**
